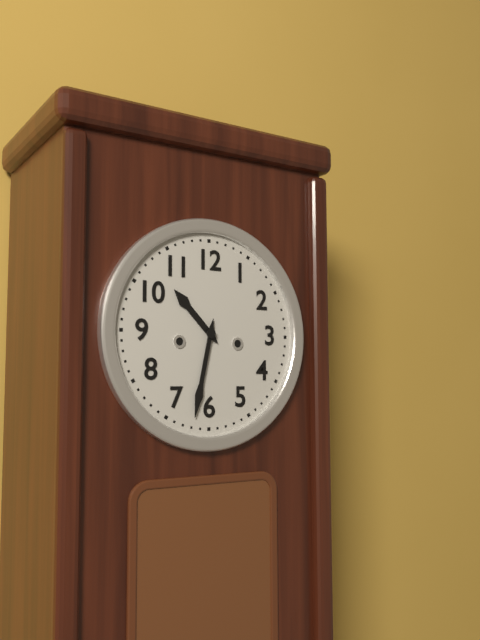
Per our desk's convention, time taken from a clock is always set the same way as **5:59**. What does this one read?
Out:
**10:32**
